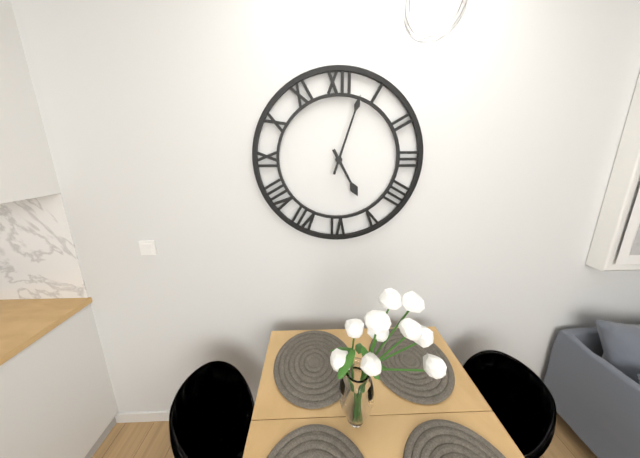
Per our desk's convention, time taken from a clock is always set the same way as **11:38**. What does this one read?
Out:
**5:03**
